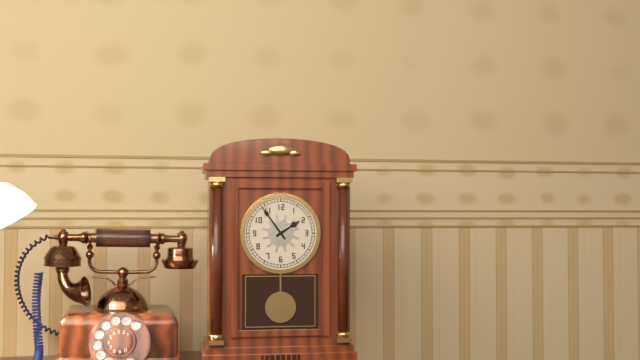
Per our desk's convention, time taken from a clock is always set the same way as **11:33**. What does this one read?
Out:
**1:54**
